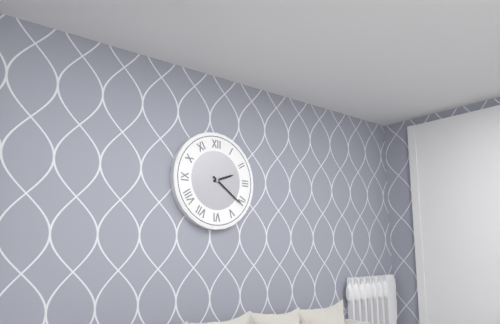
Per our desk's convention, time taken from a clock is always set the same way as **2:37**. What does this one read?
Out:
**2:21**
